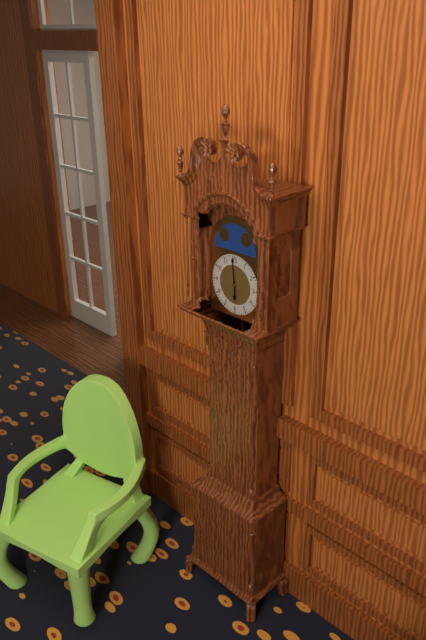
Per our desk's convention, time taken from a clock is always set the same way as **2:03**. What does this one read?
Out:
**5:59**
